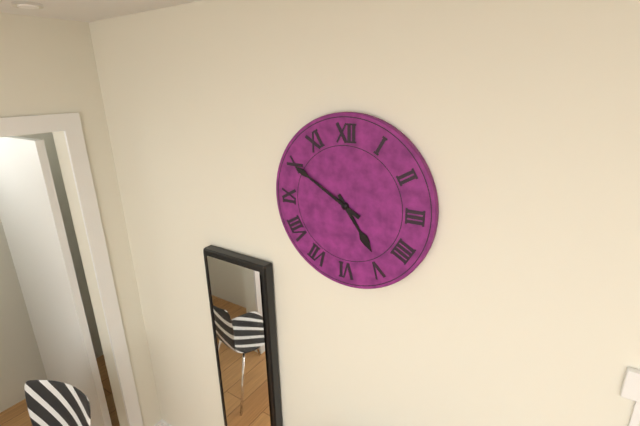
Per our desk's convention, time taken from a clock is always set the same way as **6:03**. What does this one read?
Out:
**4:50**
